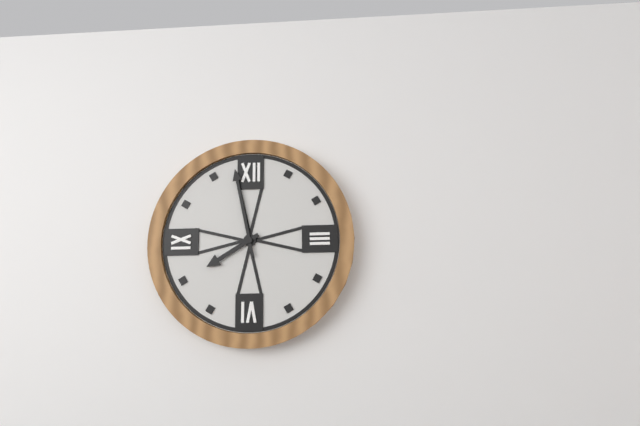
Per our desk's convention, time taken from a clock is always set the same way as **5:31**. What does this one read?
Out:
**7:58**
